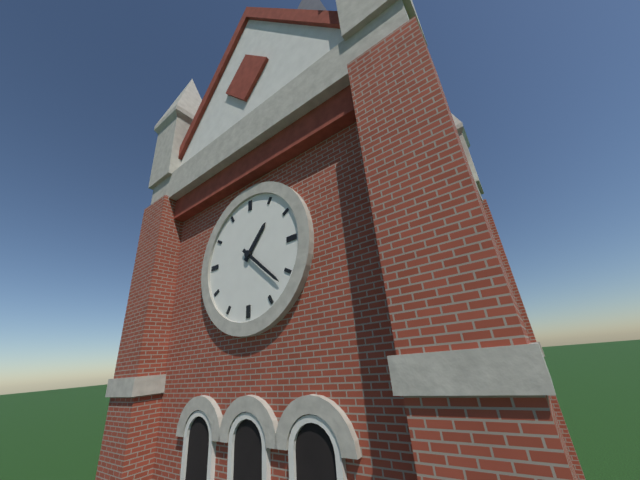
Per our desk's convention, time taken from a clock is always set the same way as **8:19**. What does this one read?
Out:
**1:22**
